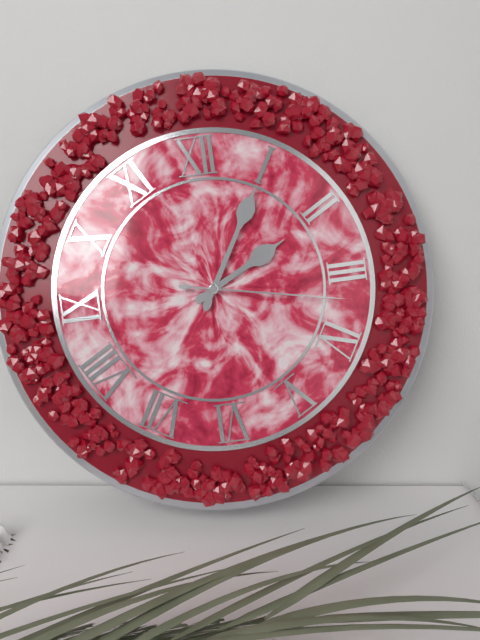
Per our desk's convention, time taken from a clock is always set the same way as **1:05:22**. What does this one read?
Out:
**2:05:17**
